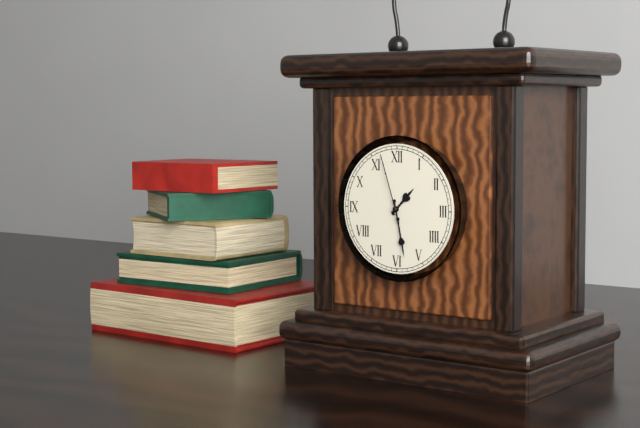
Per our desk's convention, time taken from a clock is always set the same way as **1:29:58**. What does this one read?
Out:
**1:28:57**
